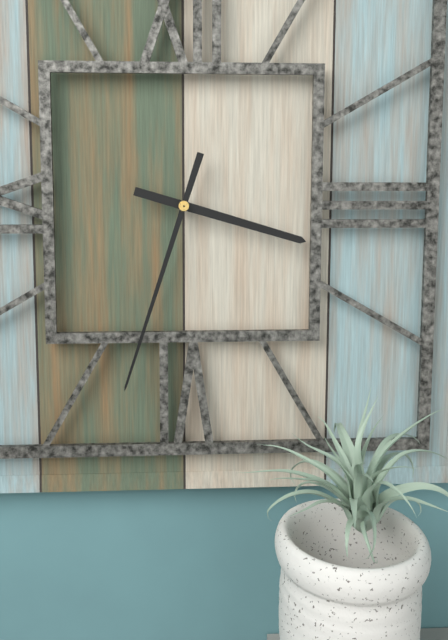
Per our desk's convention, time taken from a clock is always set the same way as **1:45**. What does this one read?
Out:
**3:33**
